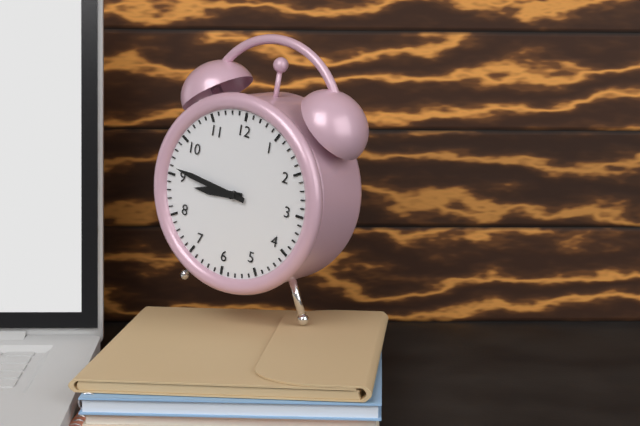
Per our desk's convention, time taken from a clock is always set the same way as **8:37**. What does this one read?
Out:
**8:46**
